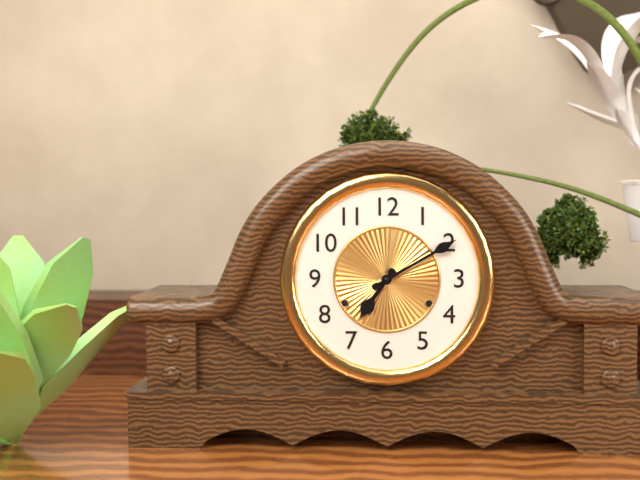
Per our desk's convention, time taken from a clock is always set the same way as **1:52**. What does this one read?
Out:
**7:10**
